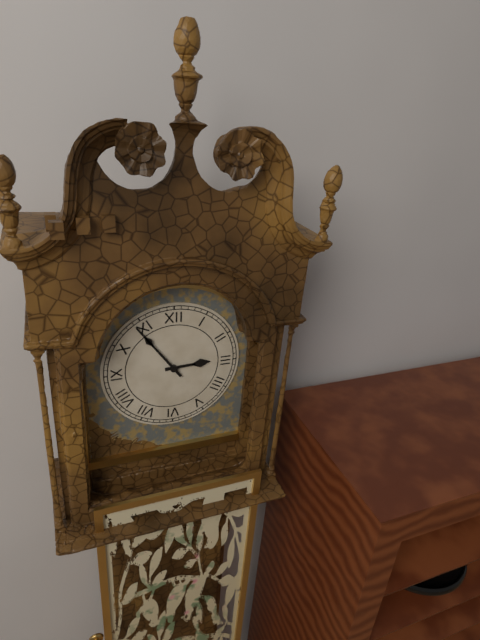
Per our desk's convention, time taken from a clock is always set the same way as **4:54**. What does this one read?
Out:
**2:54**
